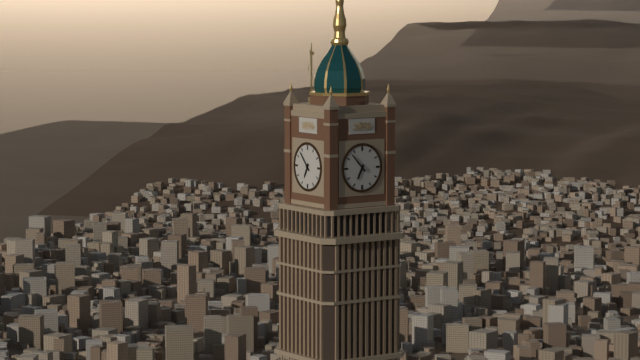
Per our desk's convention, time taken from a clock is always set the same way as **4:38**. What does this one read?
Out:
**6:53**
